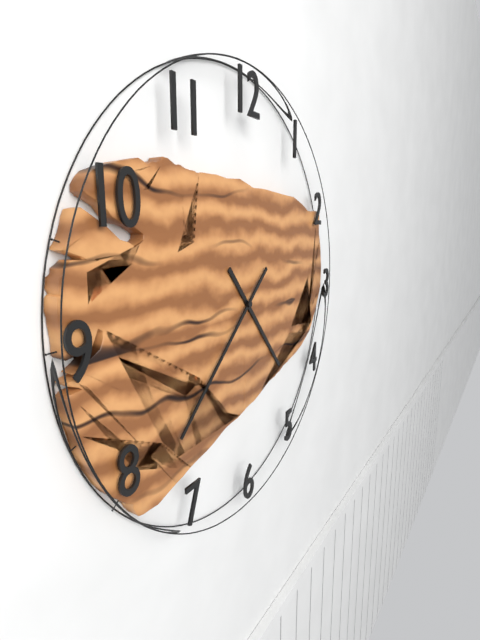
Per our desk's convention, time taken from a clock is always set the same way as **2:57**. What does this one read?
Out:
**4:38**
